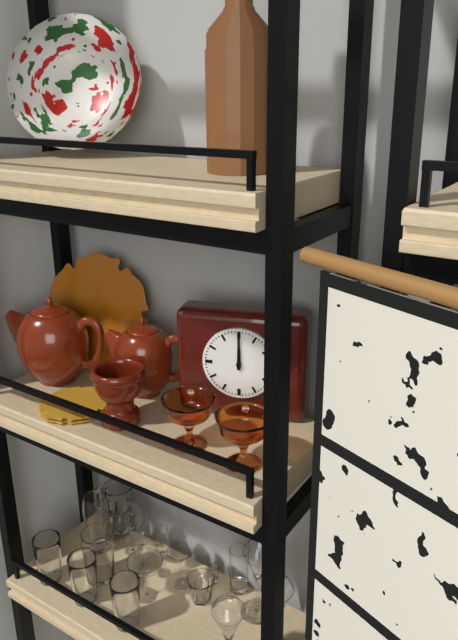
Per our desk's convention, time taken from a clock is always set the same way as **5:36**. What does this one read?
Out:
**12:00**
